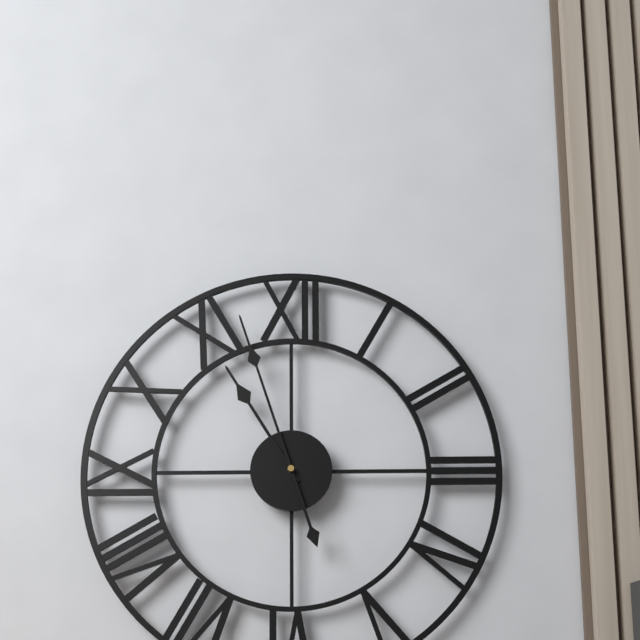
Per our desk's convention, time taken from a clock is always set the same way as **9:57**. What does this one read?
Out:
**10:57**
